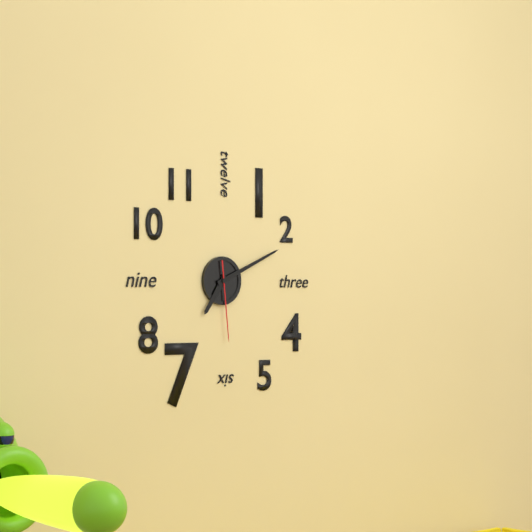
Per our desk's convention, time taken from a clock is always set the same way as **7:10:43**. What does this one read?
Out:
**7:11:29**
